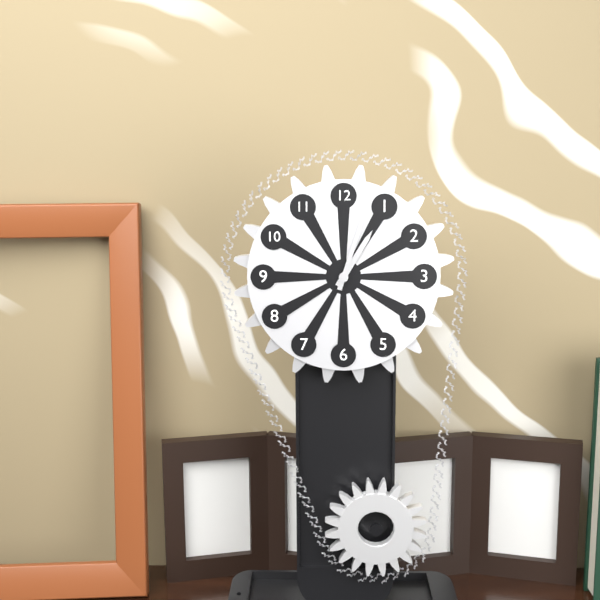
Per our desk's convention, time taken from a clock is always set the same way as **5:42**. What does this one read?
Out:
**1:03**
